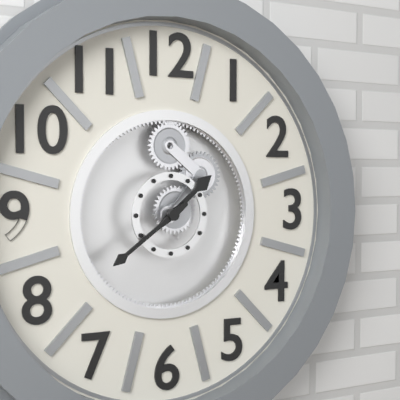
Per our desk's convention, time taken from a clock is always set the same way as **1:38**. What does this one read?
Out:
**1:39**
